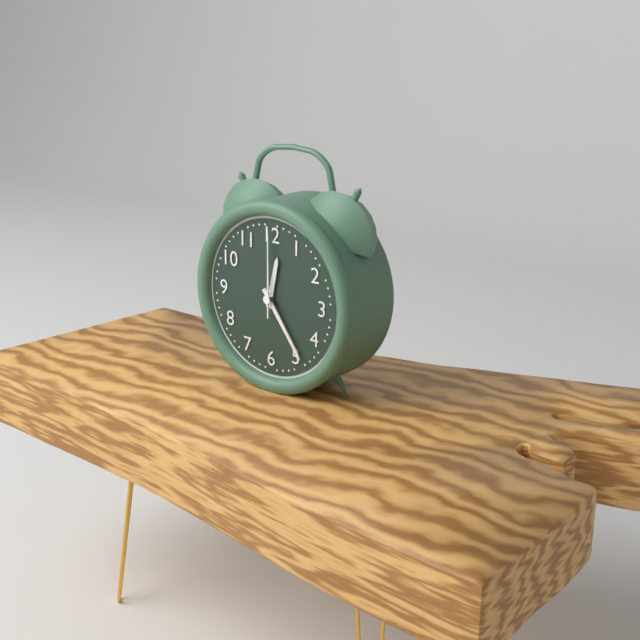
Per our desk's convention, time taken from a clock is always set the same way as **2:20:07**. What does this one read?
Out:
**12:24:00**
